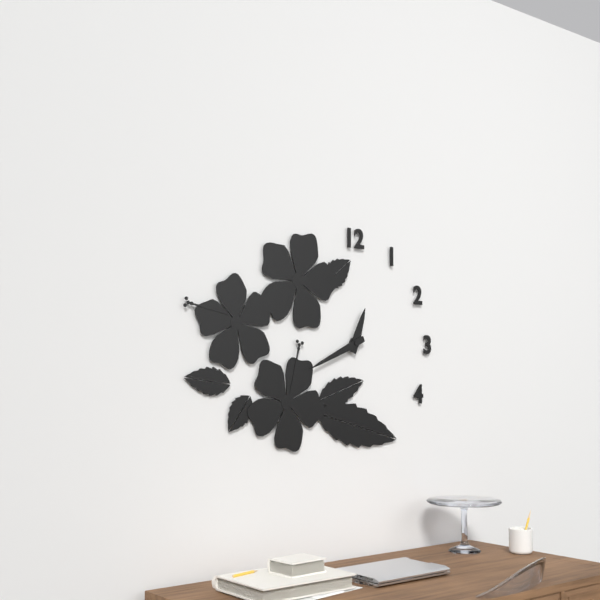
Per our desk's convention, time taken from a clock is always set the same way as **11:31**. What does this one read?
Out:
**12:41**
